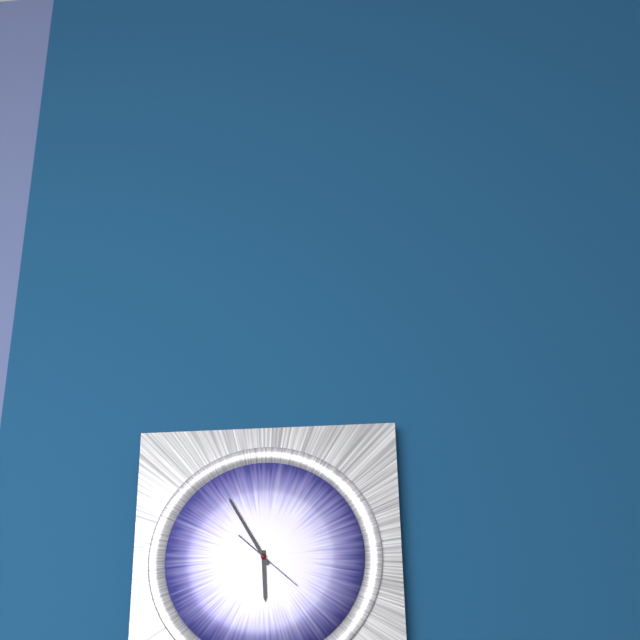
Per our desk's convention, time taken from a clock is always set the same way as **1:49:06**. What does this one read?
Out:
**5:55:22**
